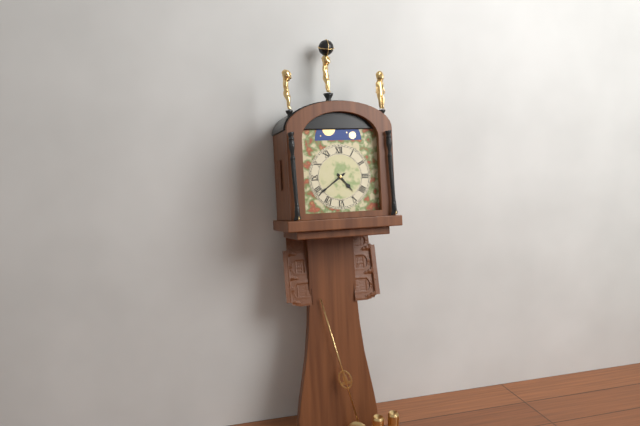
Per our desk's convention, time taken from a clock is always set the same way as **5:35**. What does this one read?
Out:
**4:39**
